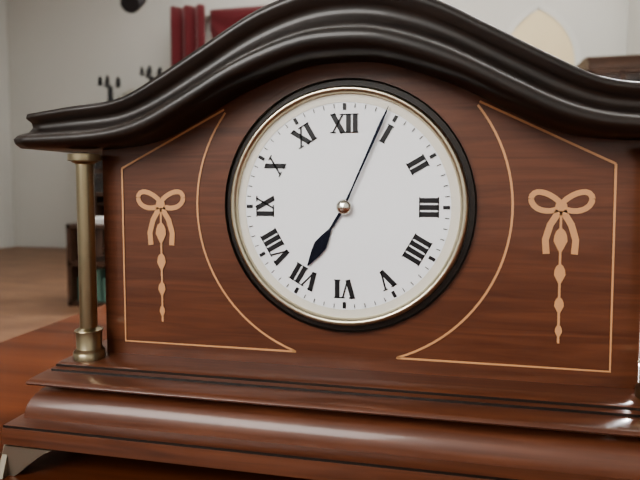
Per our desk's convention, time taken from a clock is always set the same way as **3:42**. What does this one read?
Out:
**7:04**
